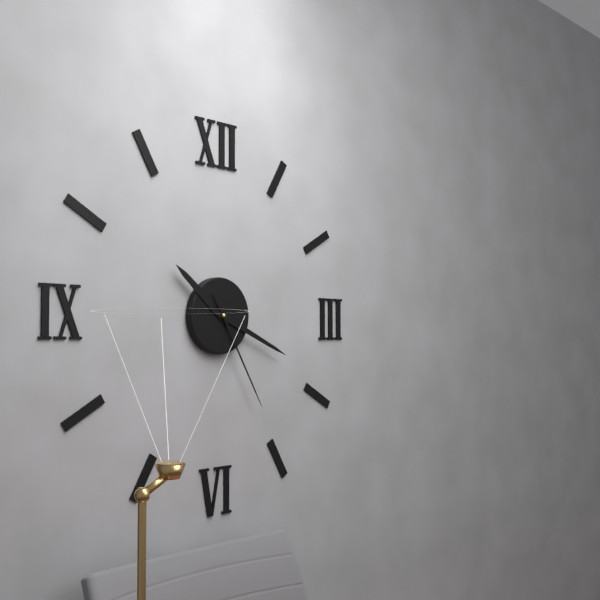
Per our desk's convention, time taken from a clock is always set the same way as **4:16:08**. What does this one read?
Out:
**10:19:25**
